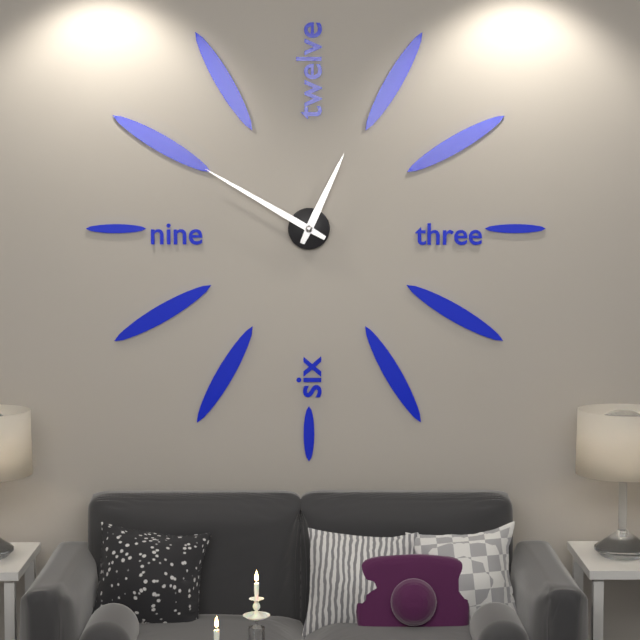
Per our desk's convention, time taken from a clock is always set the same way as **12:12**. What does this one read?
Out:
**12:50**
